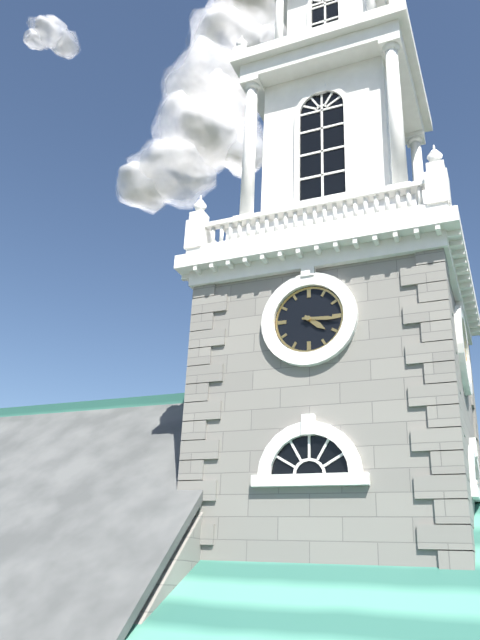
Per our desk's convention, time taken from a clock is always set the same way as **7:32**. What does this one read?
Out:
**4:16**
